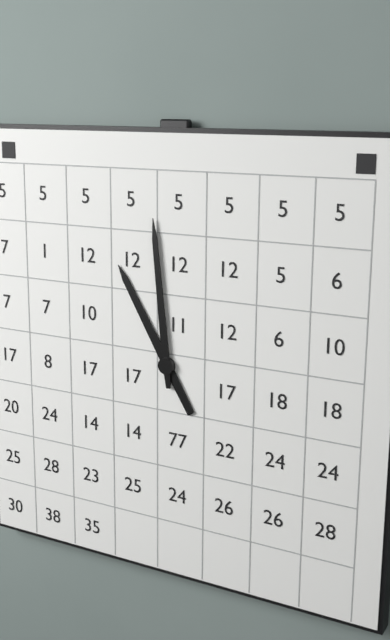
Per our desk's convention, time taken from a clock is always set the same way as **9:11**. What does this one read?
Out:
**10:59**
